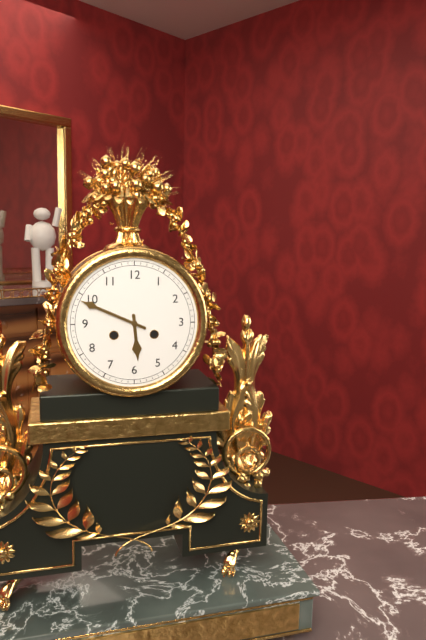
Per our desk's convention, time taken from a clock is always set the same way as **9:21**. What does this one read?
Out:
**5:49**
